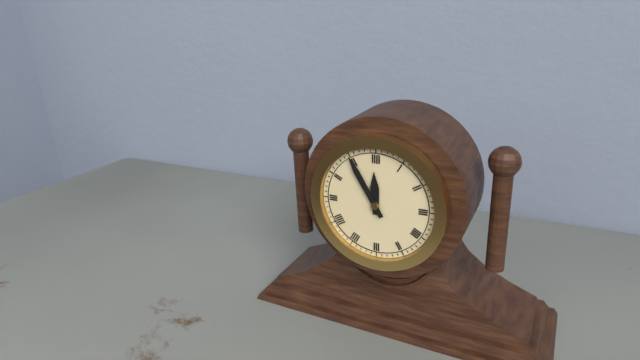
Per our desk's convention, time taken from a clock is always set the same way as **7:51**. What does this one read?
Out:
**11:55**
